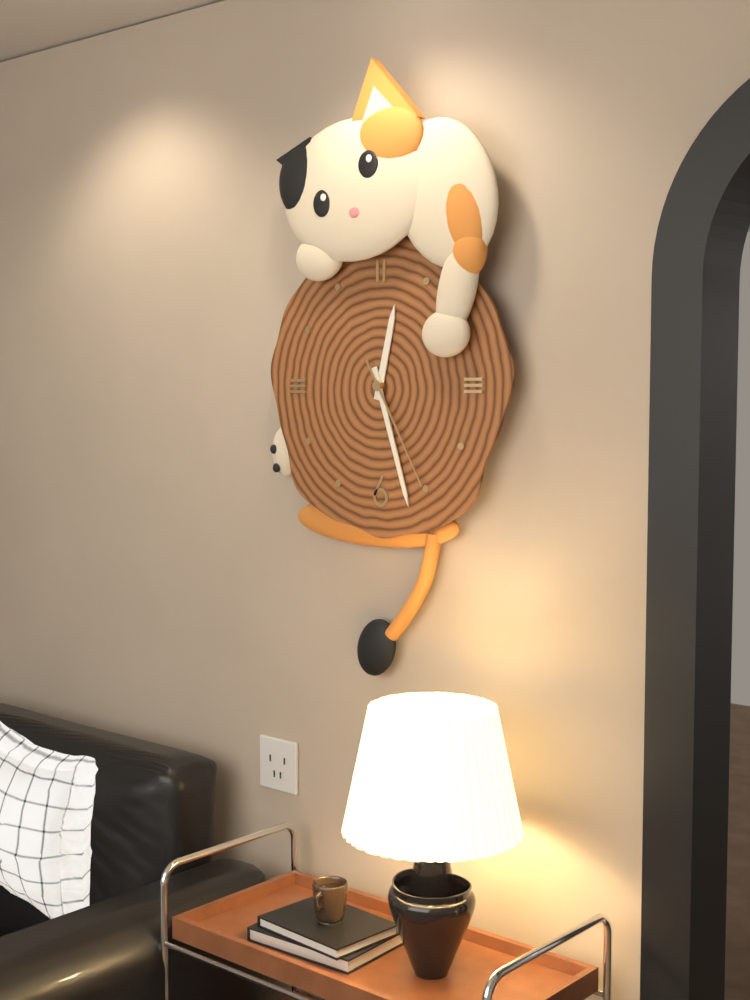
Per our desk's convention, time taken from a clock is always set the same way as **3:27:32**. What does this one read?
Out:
**12:27:25**
